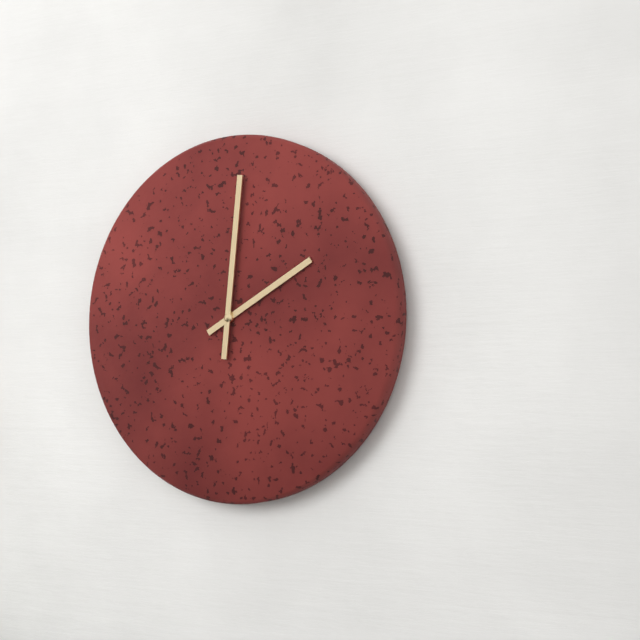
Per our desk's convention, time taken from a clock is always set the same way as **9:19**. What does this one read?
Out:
**2:01**
